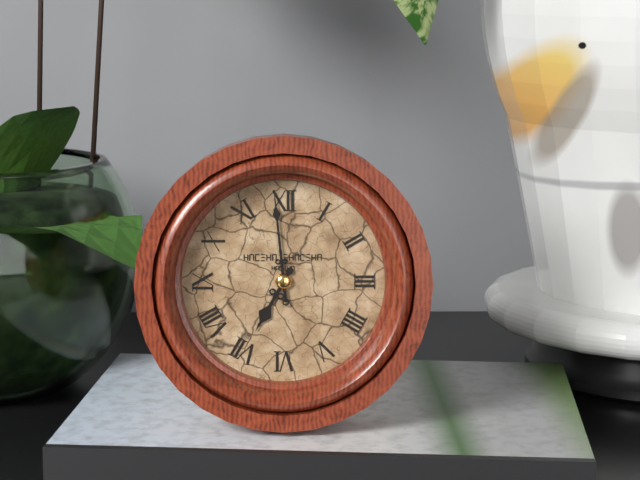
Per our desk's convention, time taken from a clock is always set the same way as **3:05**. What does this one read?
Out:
**6:59**
